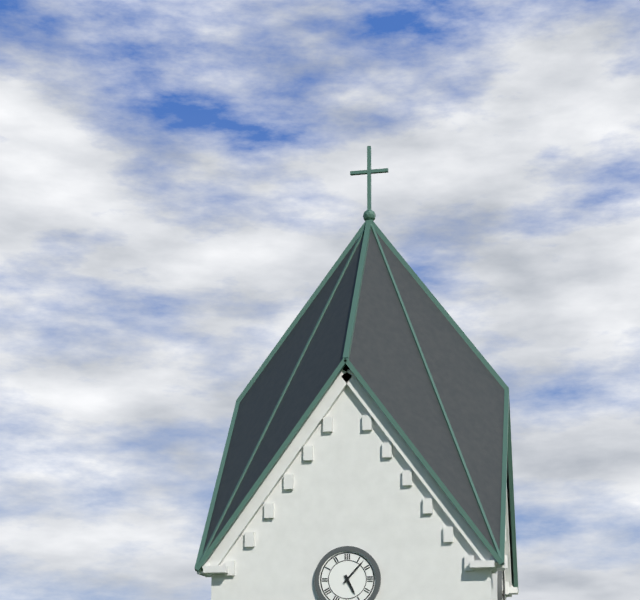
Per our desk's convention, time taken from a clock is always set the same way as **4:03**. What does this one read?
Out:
**5:07**
